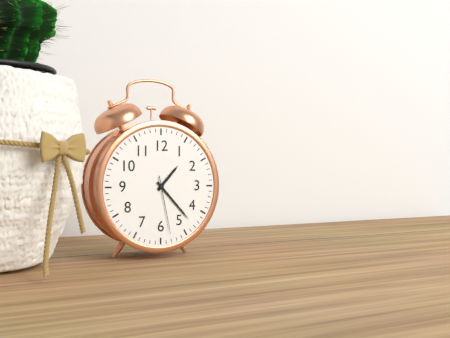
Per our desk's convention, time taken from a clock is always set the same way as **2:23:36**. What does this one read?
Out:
**1:23:28**
